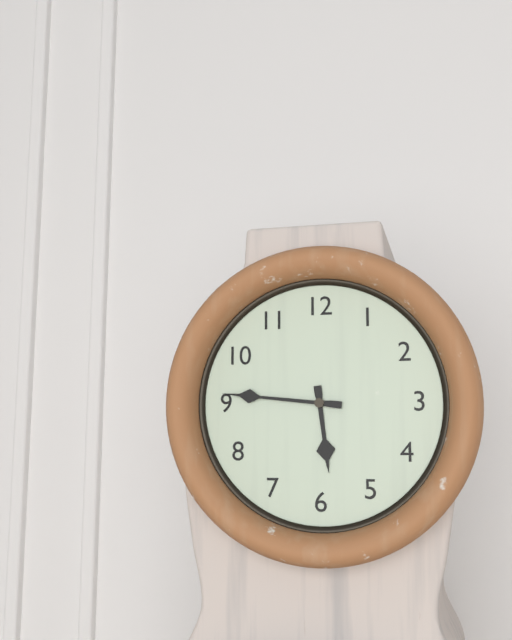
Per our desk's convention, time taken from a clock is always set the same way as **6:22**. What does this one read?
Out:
**5:46**
